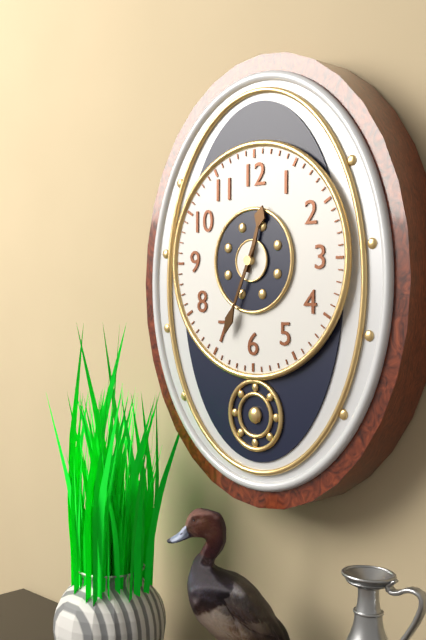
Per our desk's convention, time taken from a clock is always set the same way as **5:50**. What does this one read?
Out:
**12:34**
